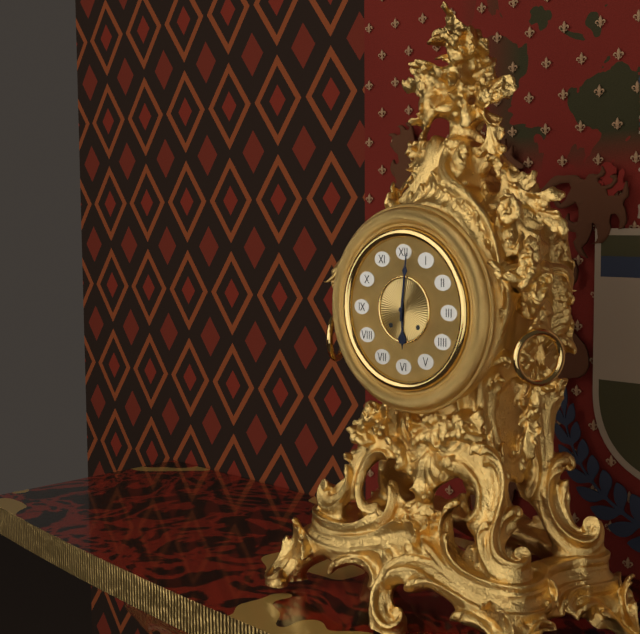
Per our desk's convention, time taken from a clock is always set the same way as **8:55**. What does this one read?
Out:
**6:01**
